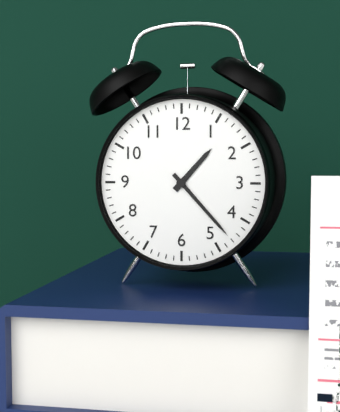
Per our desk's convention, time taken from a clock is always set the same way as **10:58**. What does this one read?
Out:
**1:23**
